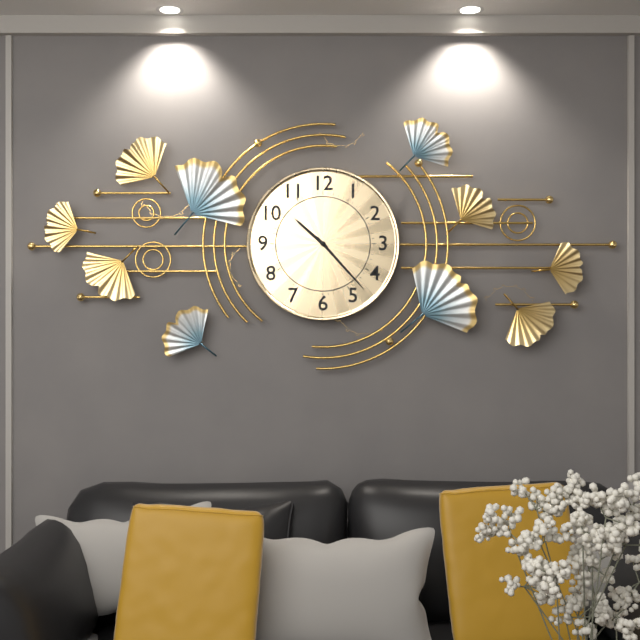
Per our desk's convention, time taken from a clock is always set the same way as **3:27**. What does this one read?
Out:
**10:23**
